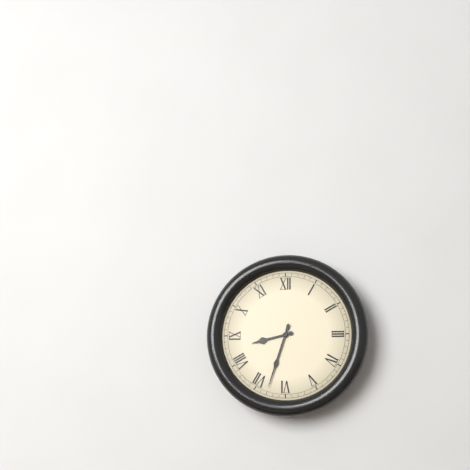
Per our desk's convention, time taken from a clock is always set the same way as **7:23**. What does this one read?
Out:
**8:33**
